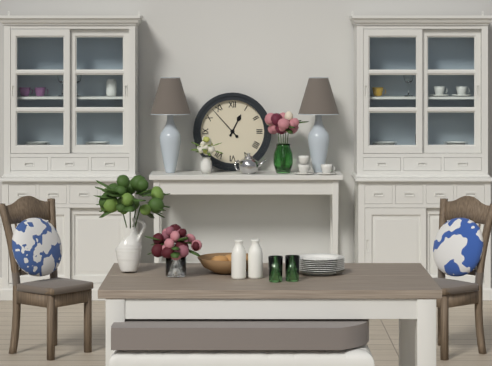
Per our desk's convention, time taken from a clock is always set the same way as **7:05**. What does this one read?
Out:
**12:53**
